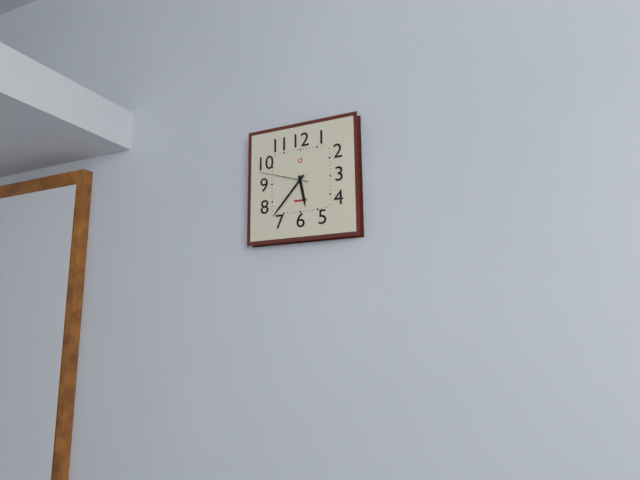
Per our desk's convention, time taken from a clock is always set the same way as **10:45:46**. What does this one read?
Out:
**5:37:48**
